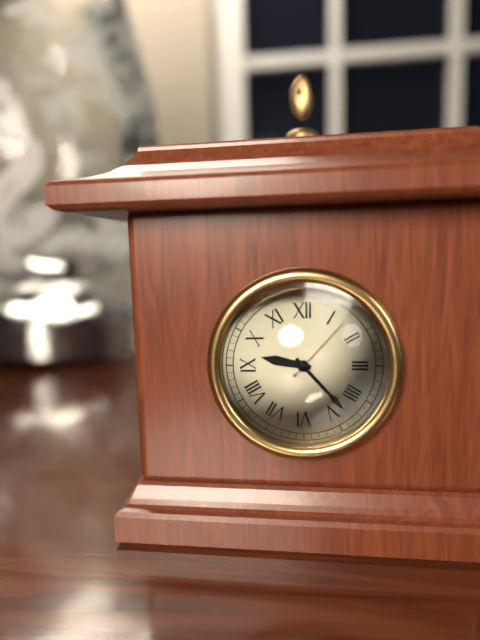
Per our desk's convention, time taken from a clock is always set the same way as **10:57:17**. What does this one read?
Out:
**9:23:07**
